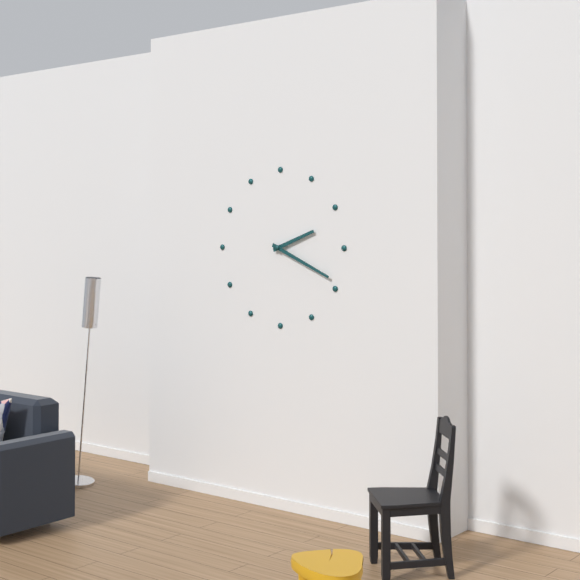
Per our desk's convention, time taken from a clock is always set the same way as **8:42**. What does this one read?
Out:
**2:19**
